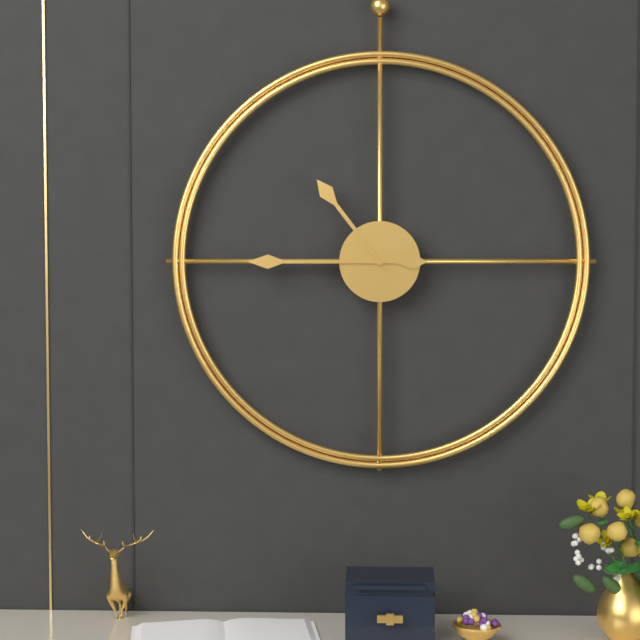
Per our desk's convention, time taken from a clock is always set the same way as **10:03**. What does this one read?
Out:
**10:45**
